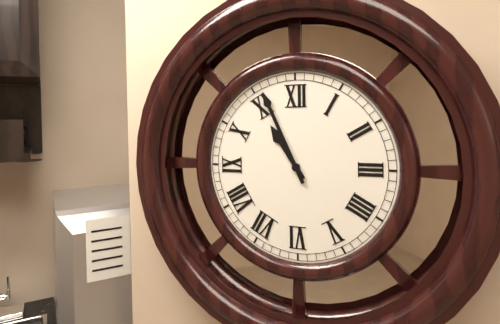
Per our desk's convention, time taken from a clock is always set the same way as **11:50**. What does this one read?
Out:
**10:56**
